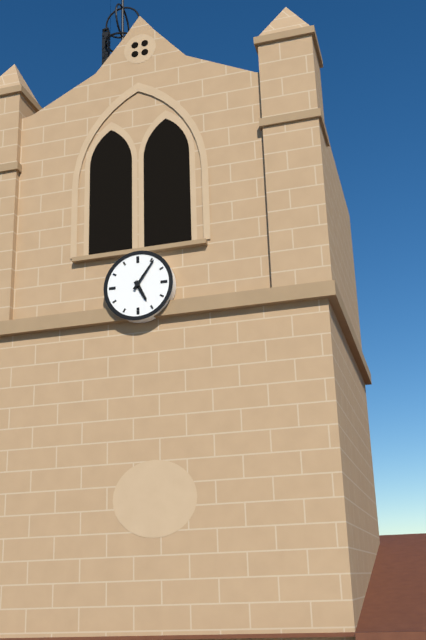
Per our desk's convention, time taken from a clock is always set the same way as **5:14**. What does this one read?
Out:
**5:06**
